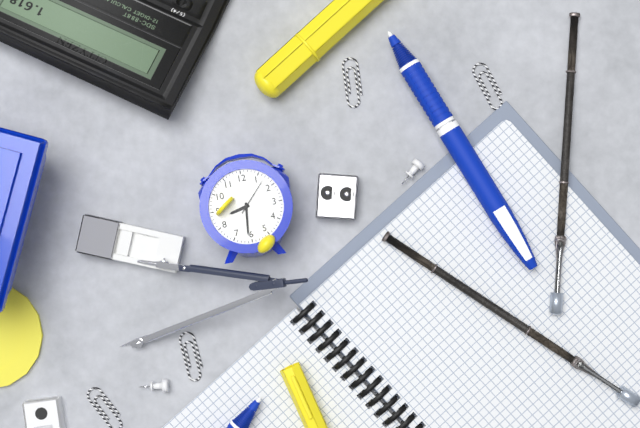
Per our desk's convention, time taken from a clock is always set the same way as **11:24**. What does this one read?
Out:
**8:31**
